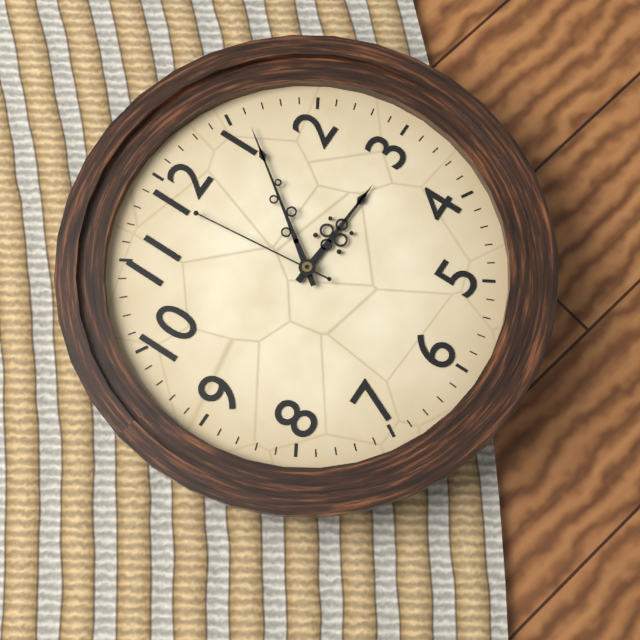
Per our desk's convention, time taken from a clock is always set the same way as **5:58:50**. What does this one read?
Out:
**3:06:59**
